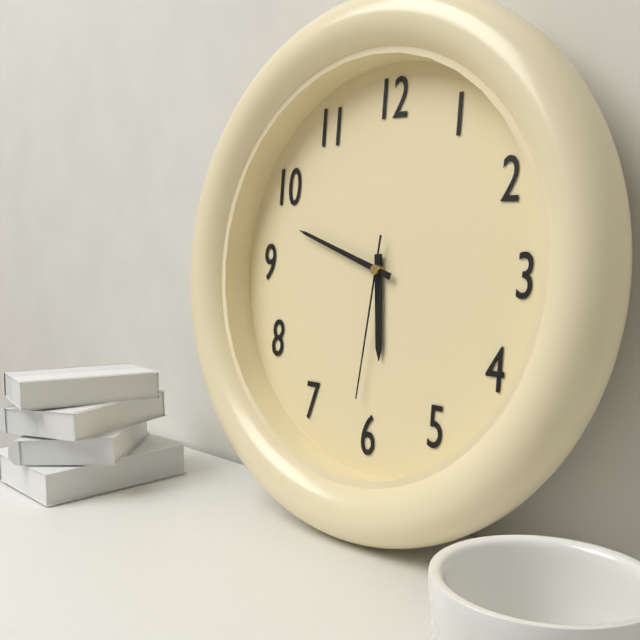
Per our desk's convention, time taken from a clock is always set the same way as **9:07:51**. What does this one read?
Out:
**5:48:31**
